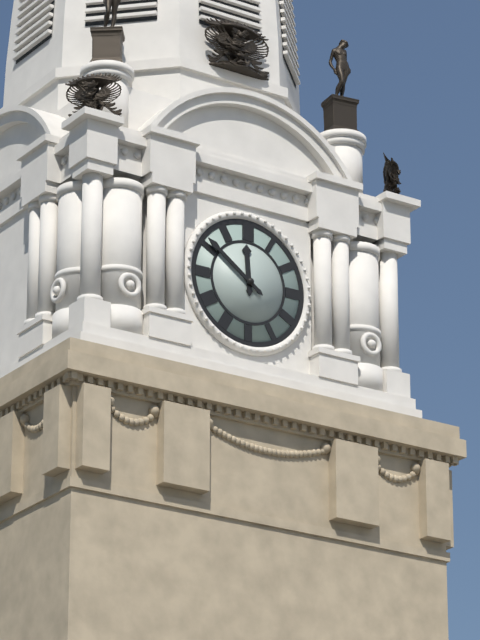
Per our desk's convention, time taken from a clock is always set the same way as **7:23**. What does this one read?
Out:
**11:51**
